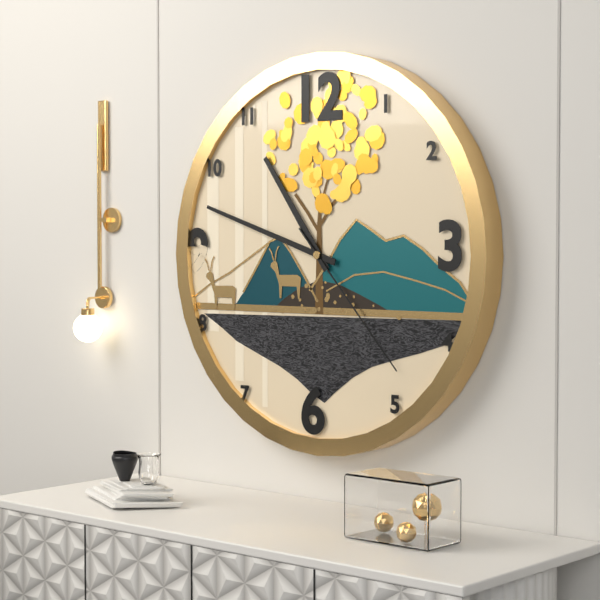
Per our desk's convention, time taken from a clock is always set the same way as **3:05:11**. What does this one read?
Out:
**10:48:23**
